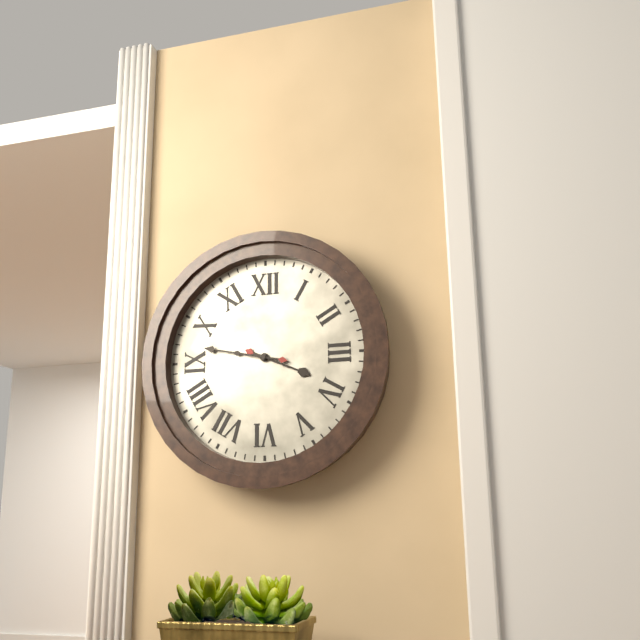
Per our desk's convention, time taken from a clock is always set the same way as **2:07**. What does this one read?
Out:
**3:47**
